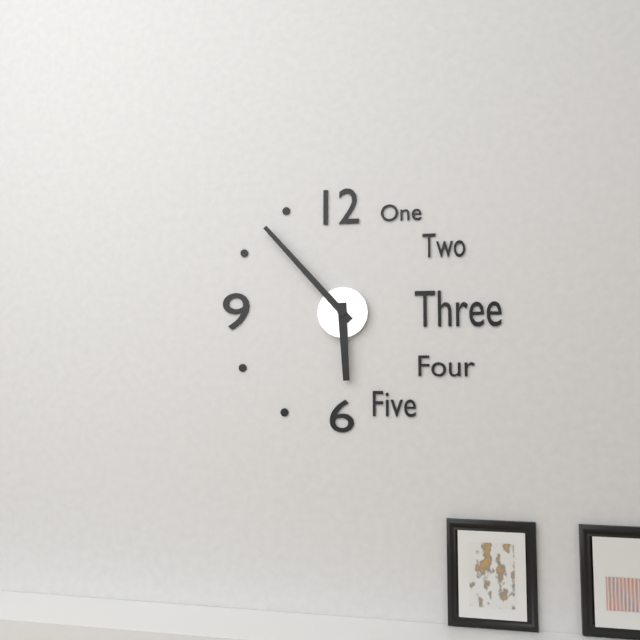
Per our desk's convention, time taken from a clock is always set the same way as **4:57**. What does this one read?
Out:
**5:53**
